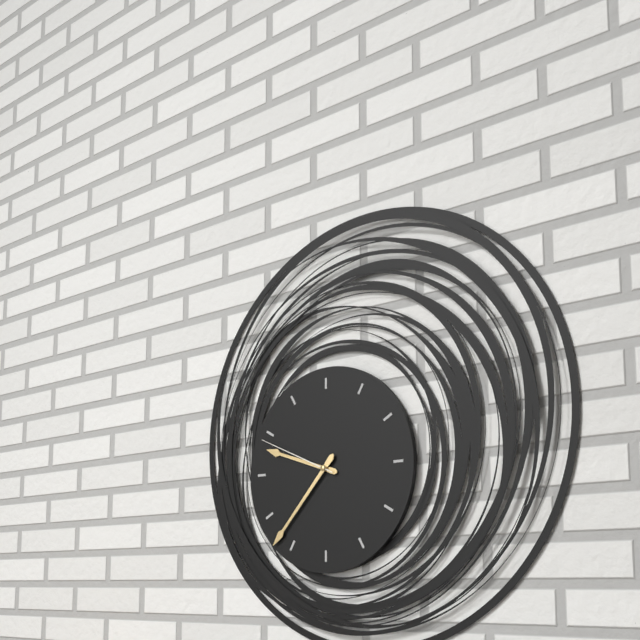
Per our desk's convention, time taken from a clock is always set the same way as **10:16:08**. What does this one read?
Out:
**9:37:49**
